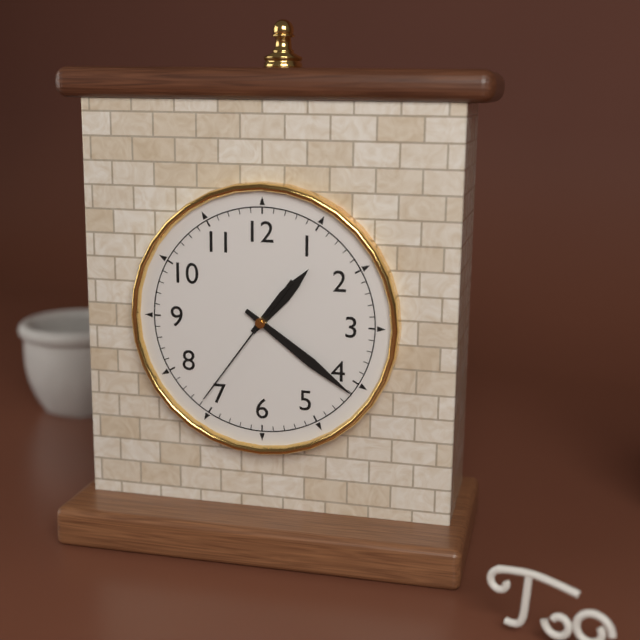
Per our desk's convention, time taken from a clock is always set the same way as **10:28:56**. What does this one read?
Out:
**1:21:36**
